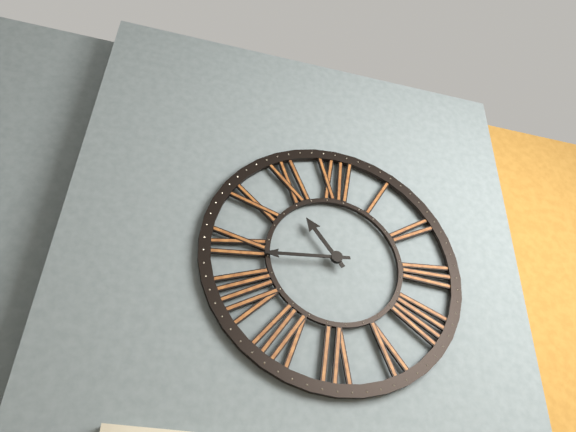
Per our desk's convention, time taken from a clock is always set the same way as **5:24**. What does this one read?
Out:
**10:44**
